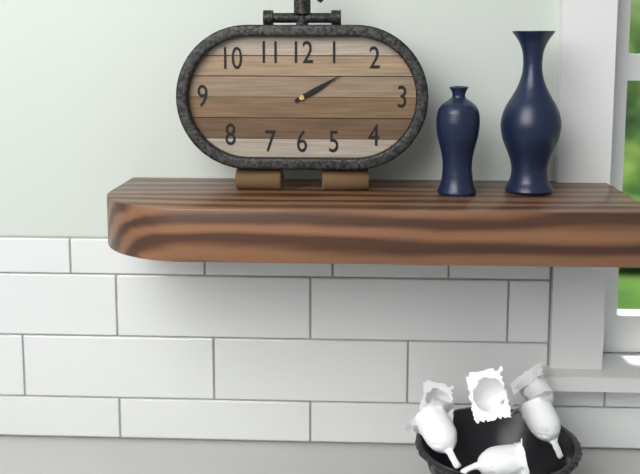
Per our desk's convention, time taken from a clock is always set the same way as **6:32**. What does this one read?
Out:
**2:10**
